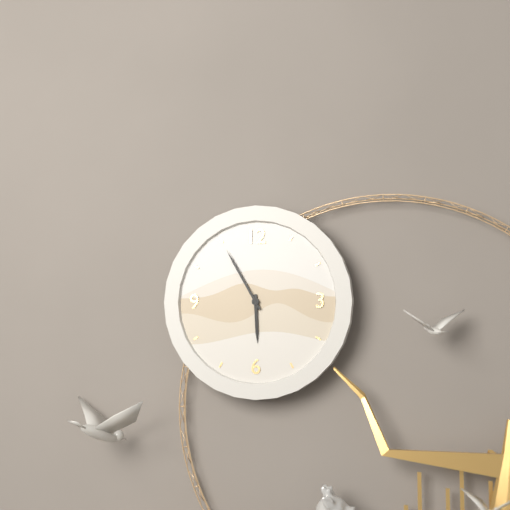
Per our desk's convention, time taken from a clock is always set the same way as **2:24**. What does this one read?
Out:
**5:55**
